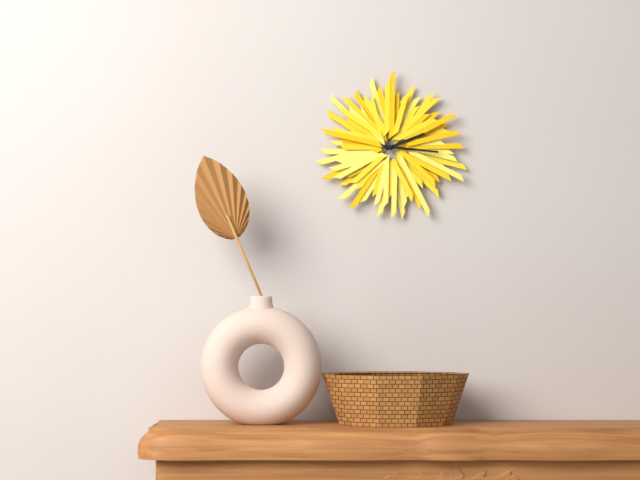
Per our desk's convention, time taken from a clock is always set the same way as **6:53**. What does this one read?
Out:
**2:16**
